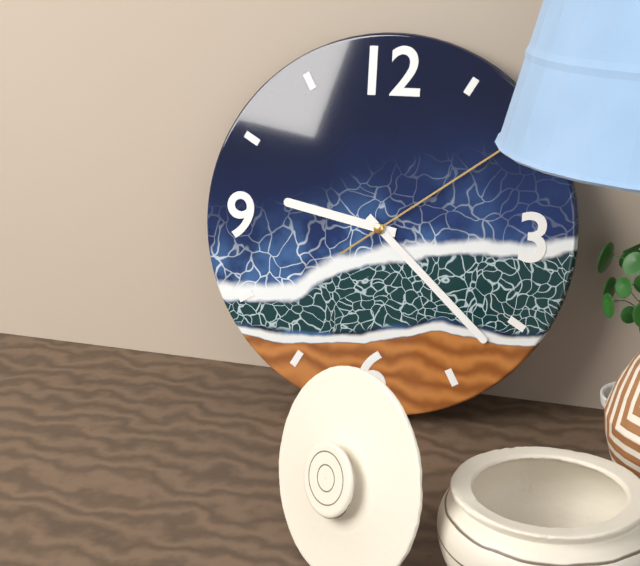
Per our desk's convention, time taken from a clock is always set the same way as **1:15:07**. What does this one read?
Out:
**9:22:09**
